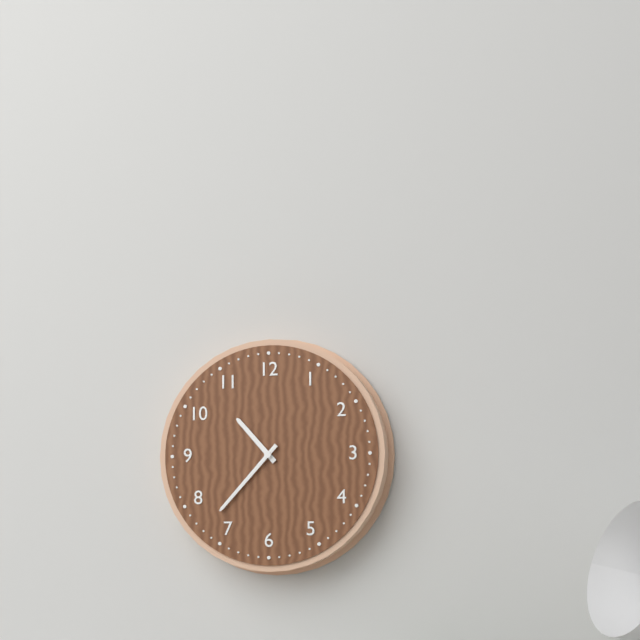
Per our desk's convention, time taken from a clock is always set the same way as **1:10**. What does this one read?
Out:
**10:37**
